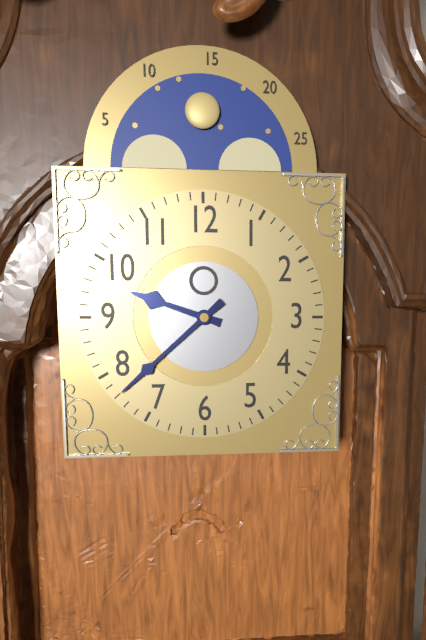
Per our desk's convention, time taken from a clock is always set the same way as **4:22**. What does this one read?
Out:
**9:38**
